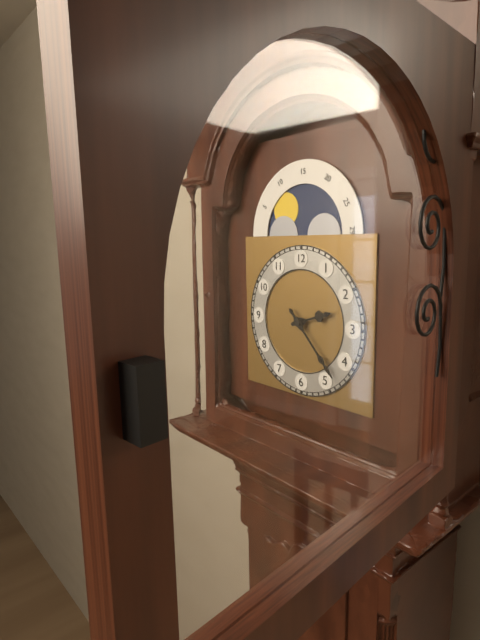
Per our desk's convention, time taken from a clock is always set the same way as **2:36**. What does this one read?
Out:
**2:23**
